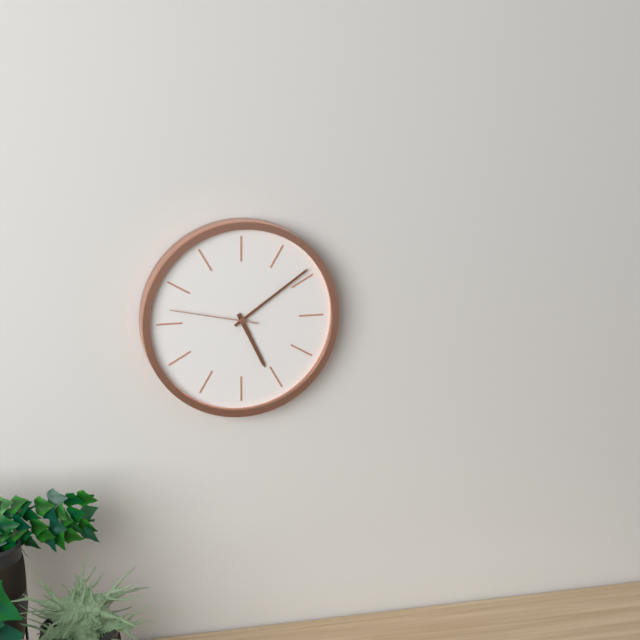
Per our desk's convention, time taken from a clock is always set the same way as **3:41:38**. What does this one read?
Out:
**5:09:47**
